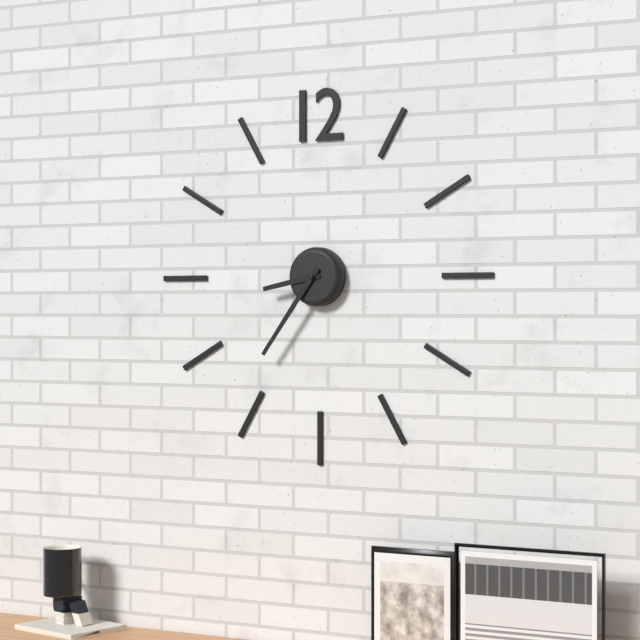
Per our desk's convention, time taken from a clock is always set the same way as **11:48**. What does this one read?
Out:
**8:36**
